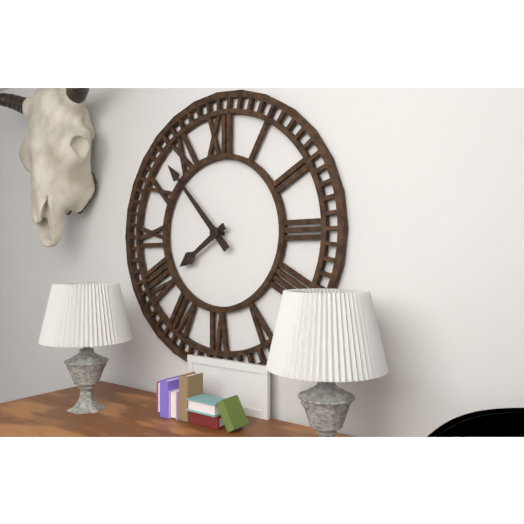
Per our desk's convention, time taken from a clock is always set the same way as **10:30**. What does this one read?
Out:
**7:53**
